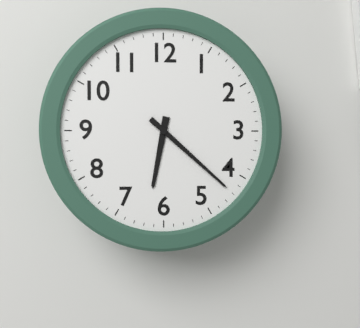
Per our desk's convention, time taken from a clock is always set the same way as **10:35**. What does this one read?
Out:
**6:22**
